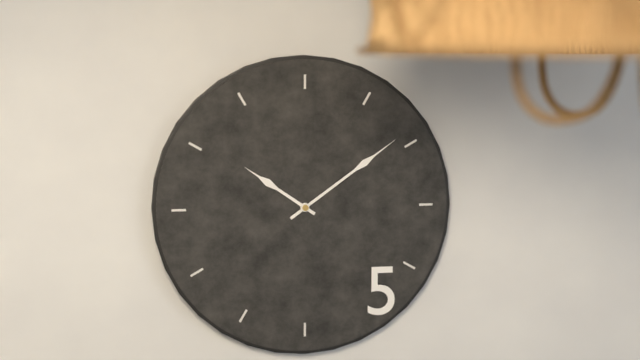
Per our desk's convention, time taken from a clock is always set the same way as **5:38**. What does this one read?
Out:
**10:09**
